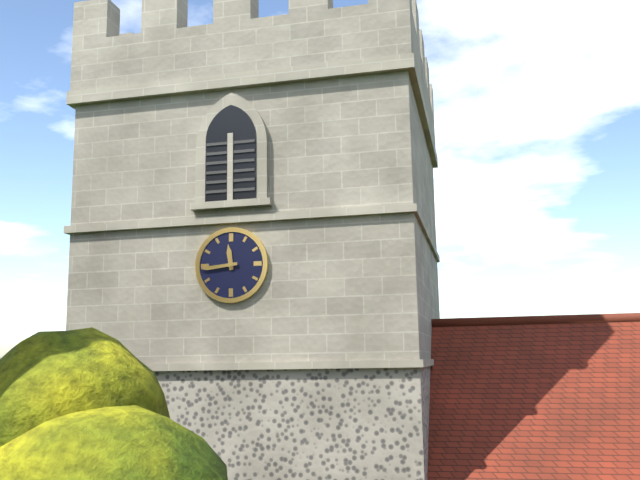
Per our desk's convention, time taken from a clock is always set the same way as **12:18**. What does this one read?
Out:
**11:44**
